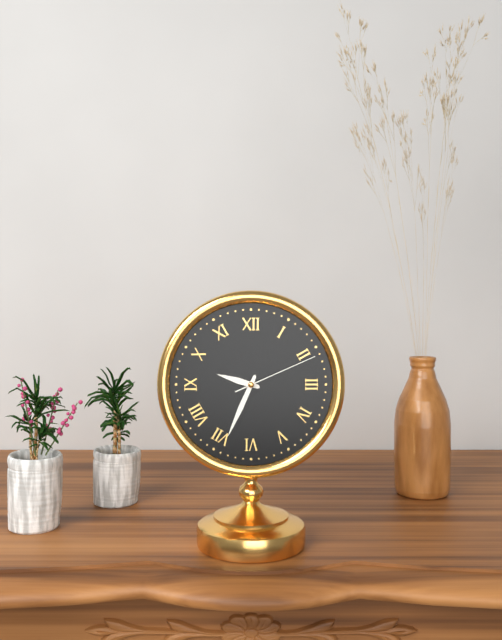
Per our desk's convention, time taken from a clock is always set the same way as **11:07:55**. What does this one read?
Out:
**9:34:11**
